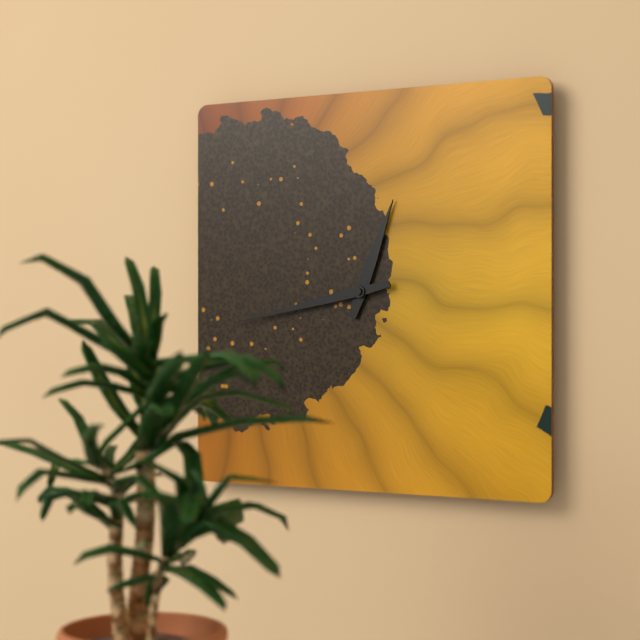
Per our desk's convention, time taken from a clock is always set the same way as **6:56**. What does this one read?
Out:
**12:43**
